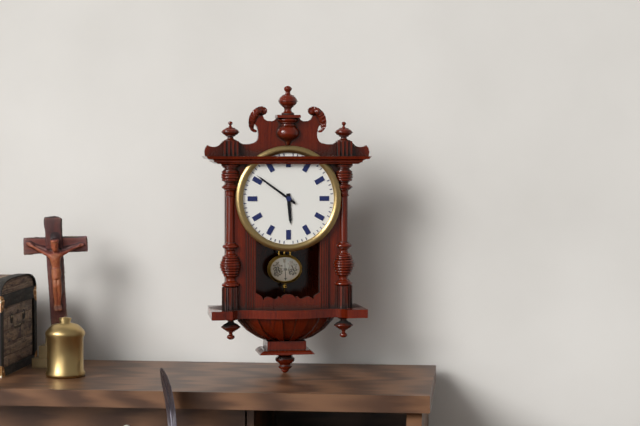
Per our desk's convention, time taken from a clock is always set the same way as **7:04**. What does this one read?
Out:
**5:51**
